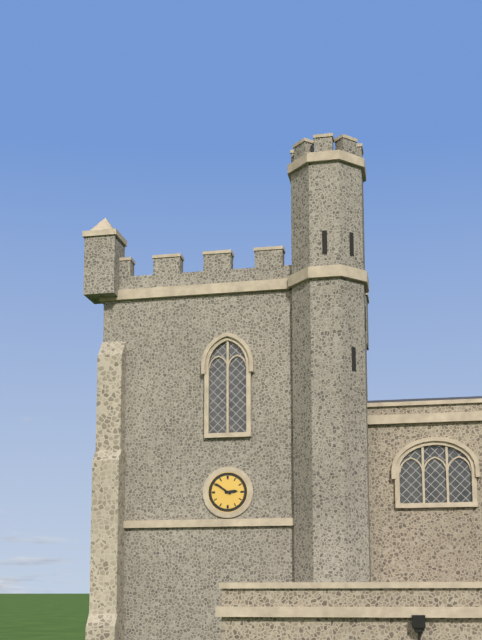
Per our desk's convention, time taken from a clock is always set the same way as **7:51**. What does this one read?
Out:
**2:51**
